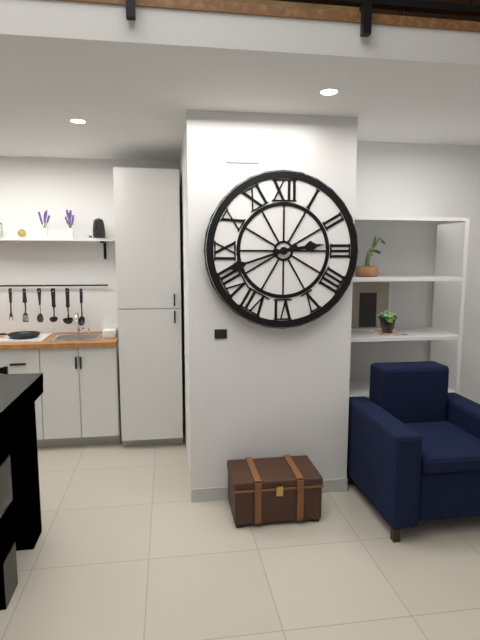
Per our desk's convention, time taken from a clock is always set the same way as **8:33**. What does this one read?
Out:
**2:42**
